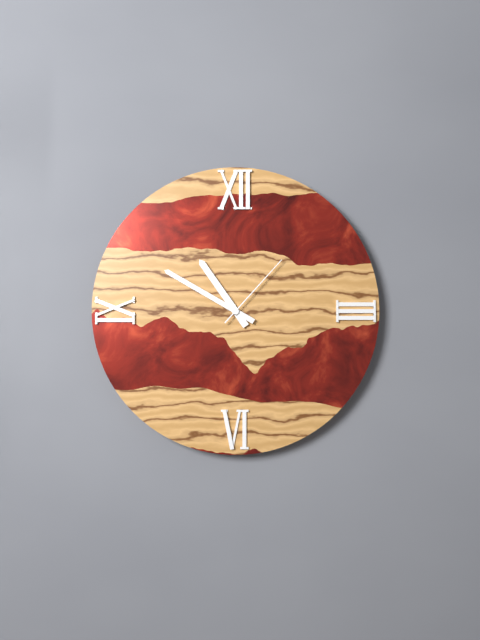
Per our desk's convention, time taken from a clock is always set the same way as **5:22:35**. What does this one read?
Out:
**10:50:07**
